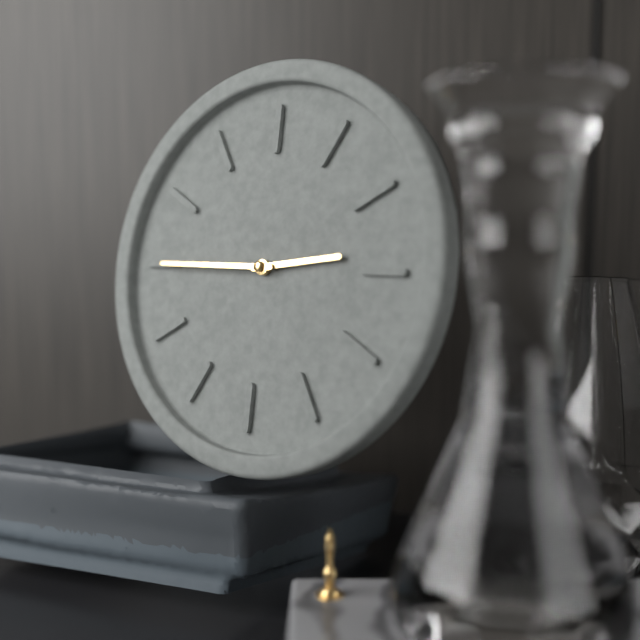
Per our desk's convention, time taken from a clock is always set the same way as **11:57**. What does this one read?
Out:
**2:45**
